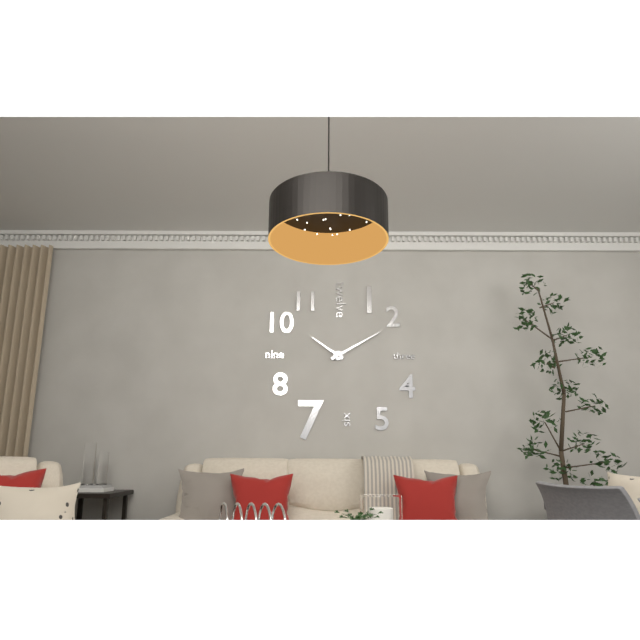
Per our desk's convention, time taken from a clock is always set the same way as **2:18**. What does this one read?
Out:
**10:10**
